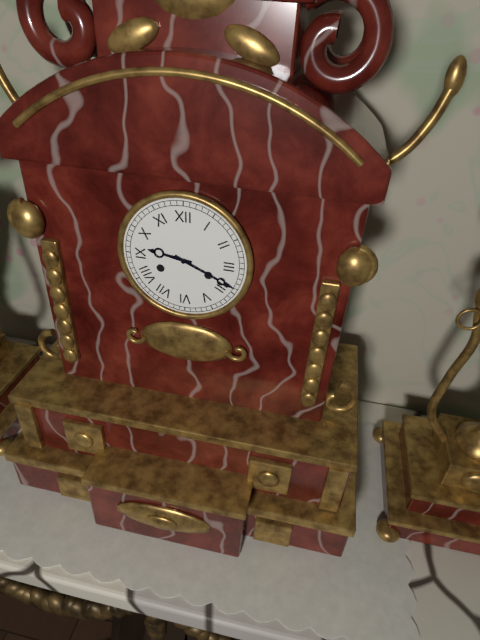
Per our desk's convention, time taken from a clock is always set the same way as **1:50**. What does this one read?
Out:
**9:19**
